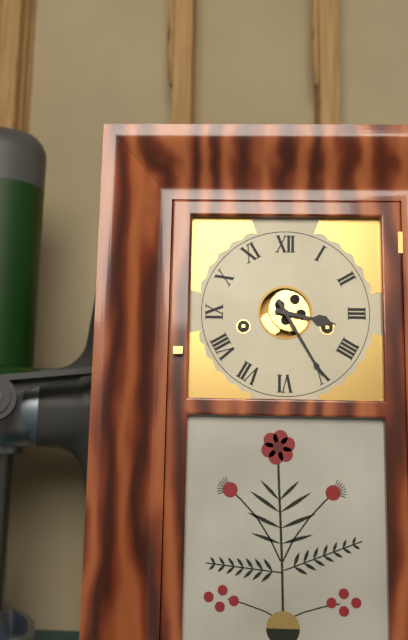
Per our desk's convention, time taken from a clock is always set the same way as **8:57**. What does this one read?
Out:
**3:25**
